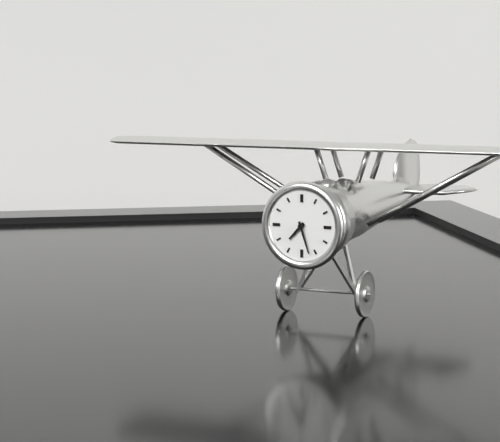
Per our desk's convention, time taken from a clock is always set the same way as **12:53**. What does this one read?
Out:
**7:27**
